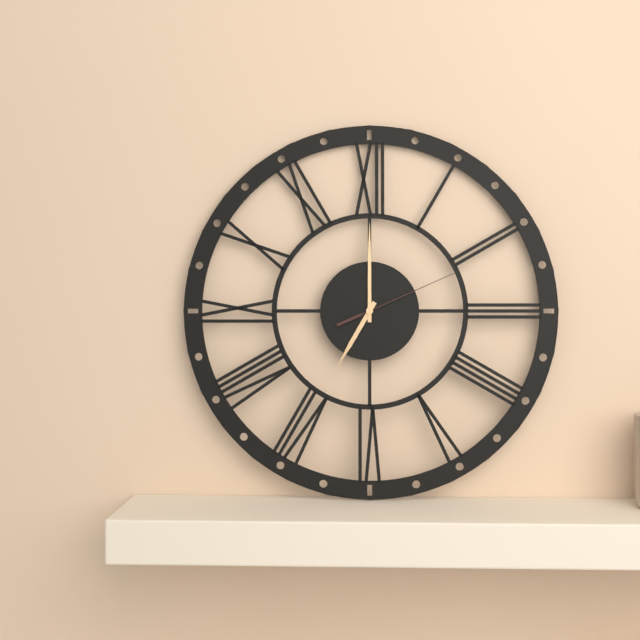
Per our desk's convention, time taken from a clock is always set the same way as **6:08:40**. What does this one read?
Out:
**7:00:11**
